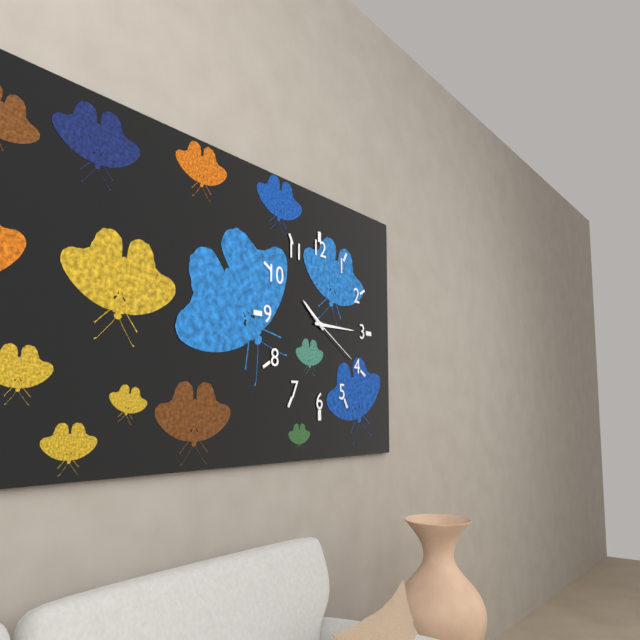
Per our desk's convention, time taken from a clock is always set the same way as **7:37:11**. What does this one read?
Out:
**10:15:20**
